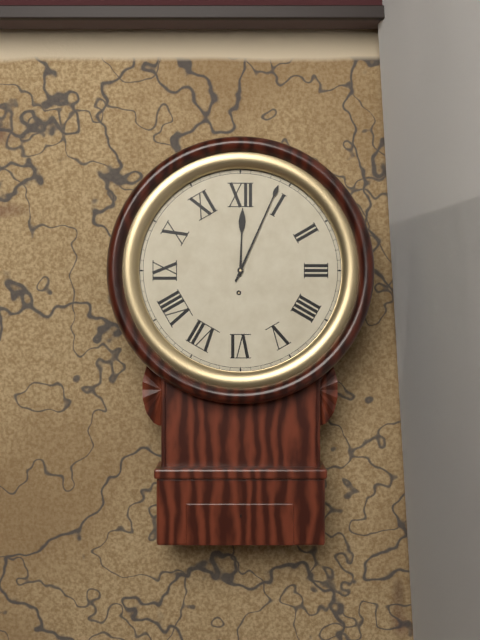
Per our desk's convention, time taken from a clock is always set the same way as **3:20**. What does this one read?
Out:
**12:04**
